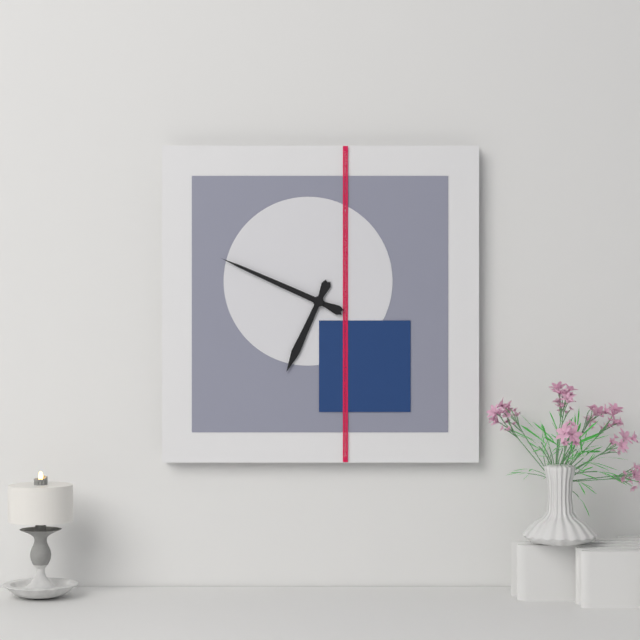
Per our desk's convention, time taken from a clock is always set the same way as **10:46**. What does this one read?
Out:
**6:49**
